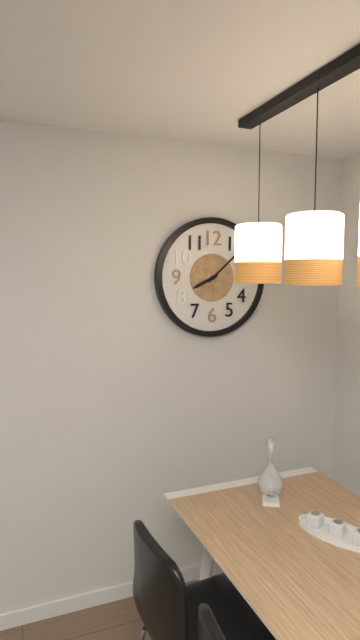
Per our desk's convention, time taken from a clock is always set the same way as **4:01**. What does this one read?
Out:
**8:08**
